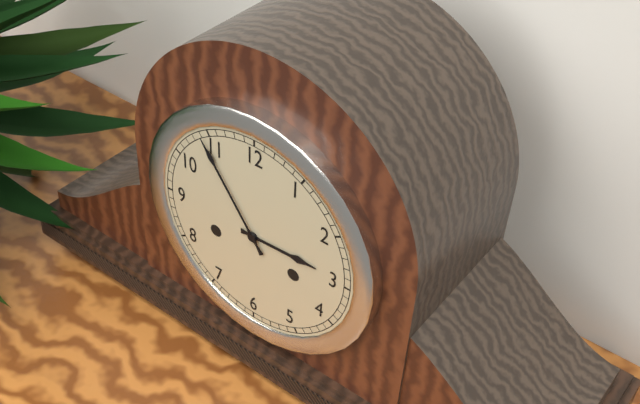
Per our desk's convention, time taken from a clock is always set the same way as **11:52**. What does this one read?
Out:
**2:54**
